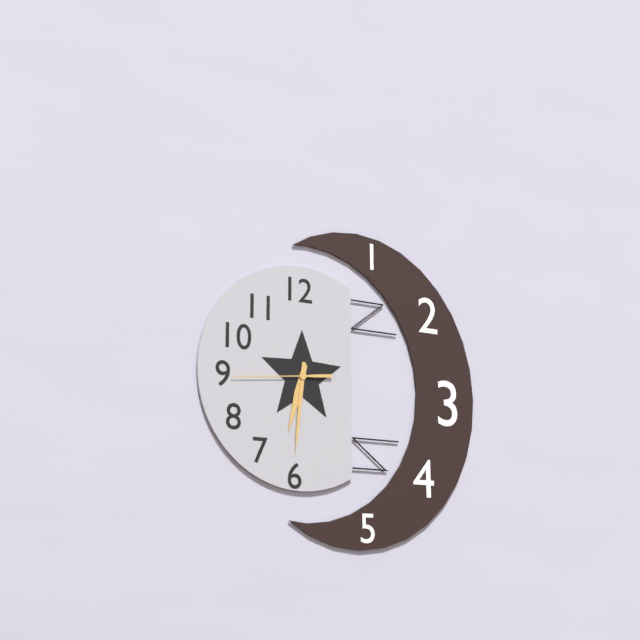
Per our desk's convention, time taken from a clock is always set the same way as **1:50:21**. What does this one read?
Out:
**6:31:44**
